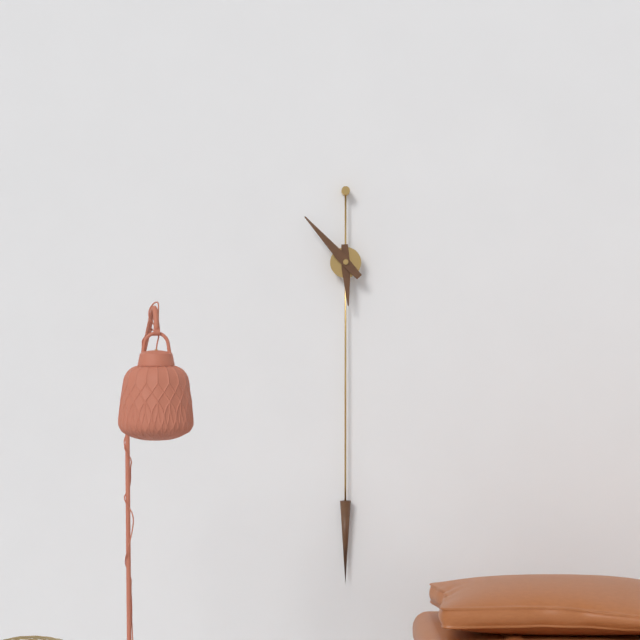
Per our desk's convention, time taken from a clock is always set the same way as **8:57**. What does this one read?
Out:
**5:53**
